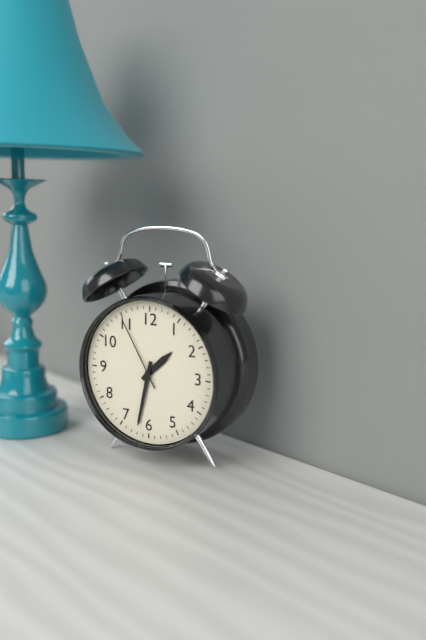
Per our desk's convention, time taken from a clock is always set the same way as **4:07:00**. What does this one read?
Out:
**1:32:55**
